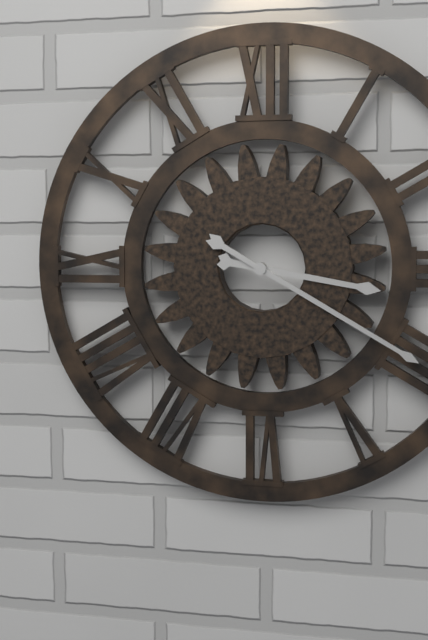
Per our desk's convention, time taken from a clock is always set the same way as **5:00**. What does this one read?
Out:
**3:20**
